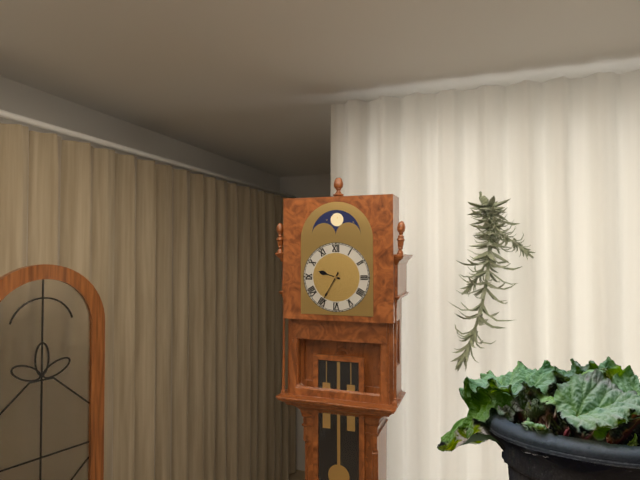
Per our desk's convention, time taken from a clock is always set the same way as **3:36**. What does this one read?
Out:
**9:35**
